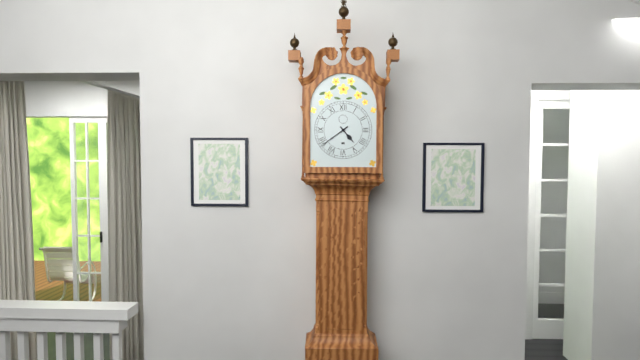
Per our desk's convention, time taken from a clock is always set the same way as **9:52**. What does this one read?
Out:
**4:39**
